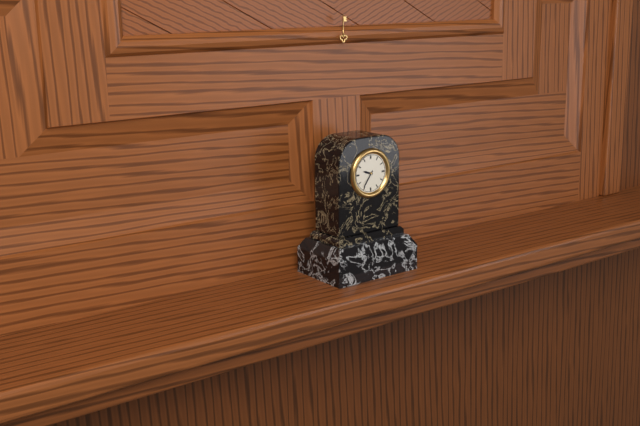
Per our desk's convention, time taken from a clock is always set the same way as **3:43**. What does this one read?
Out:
**9:36**
